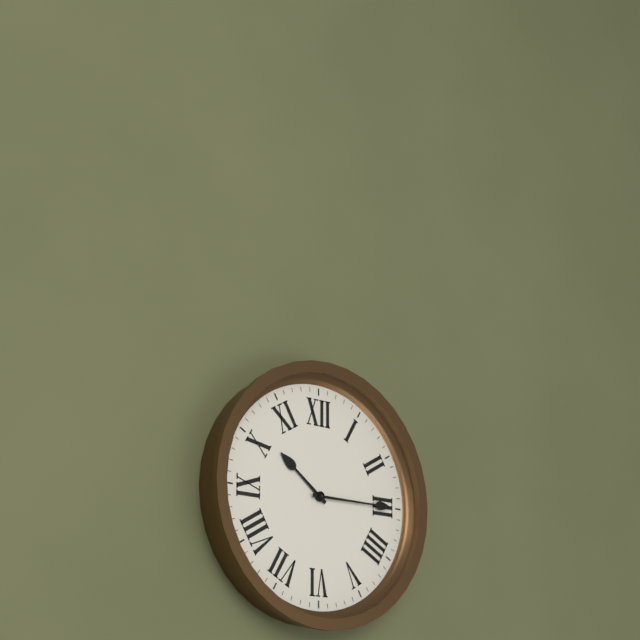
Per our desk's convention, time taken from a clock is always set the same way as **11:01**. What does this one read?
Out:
**10:15**
